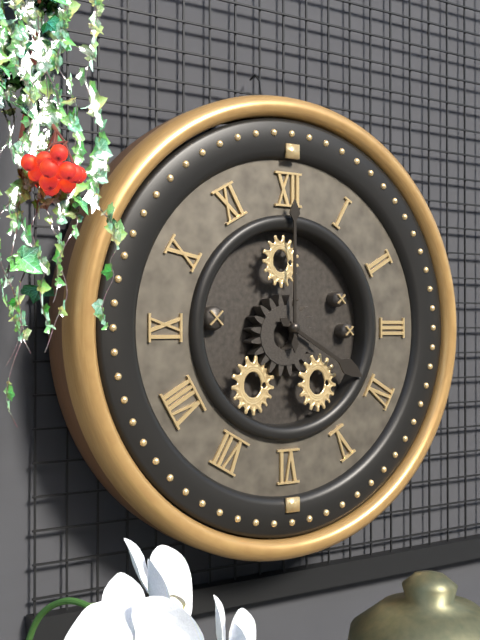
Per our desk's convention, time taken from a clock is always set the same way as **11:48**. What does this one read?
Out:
**4:00**
